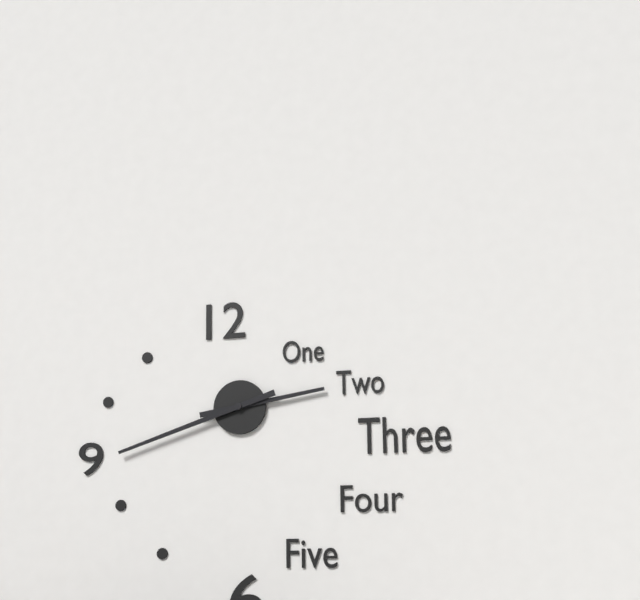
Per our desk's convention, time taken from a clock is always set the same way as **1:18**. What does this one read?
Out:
**2:42**
